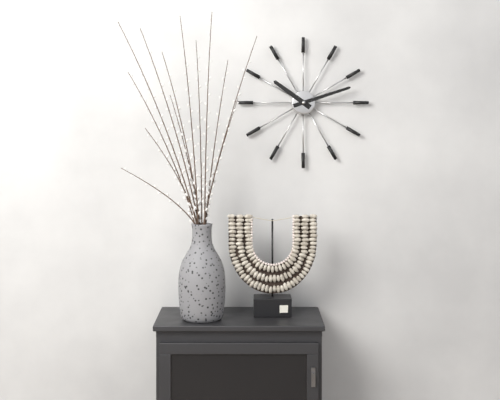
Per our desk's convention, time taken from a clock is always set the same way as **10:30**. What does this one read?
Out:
**10:12**
